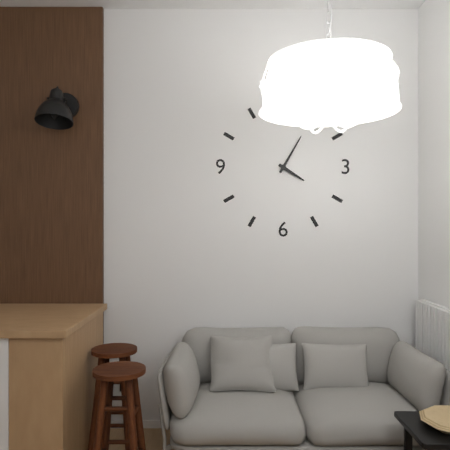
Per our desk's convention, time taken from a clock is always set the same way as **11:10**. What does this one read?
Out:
**4:05**
